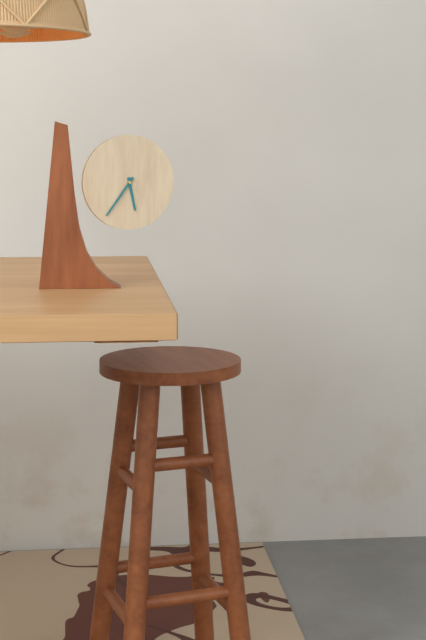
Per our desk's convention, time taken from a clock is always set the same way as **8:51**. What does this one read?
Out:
**5:36**
